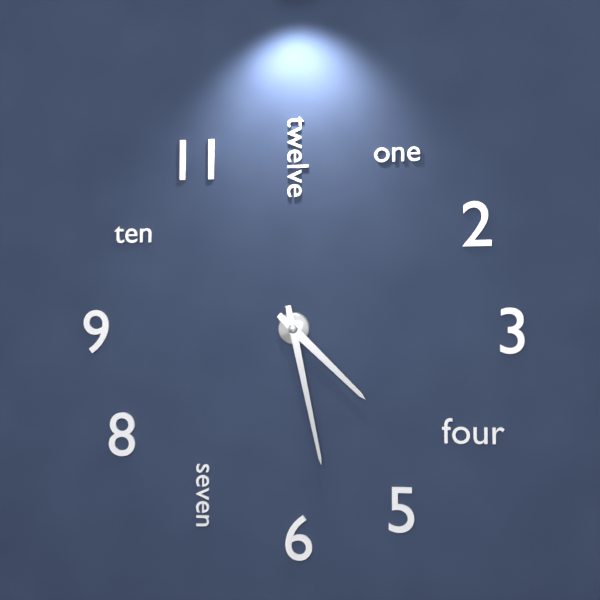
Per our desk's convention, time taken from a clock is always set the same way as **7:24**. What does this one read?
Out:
**4:28**
